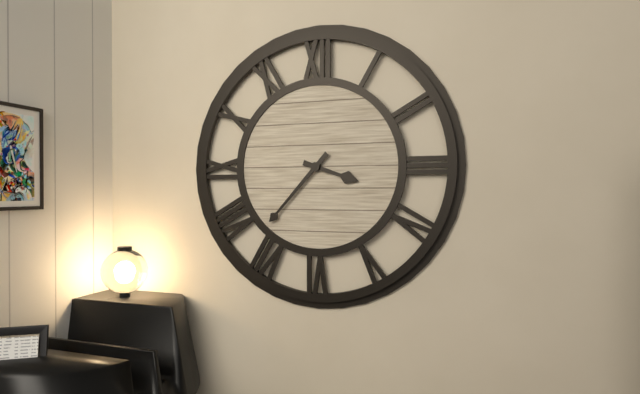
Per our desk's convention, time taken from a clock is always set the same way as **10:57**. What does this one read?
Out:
**3:37**
